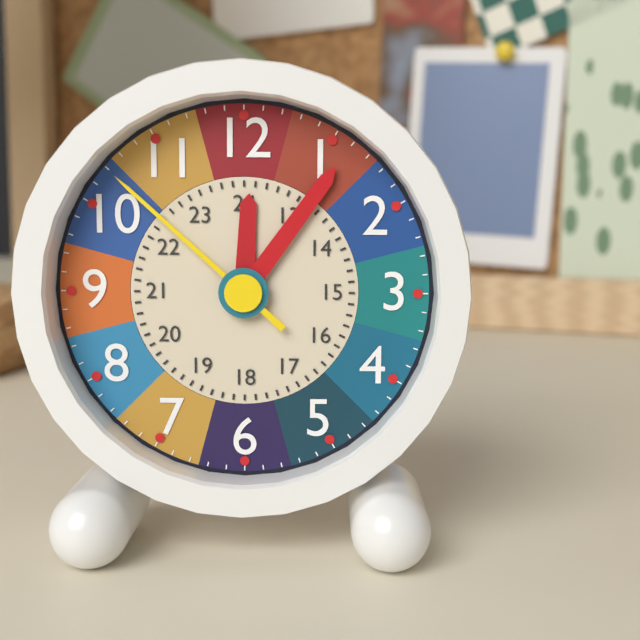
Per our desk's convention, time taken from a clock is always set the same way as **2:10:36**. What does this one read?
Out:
**12:06:52**
